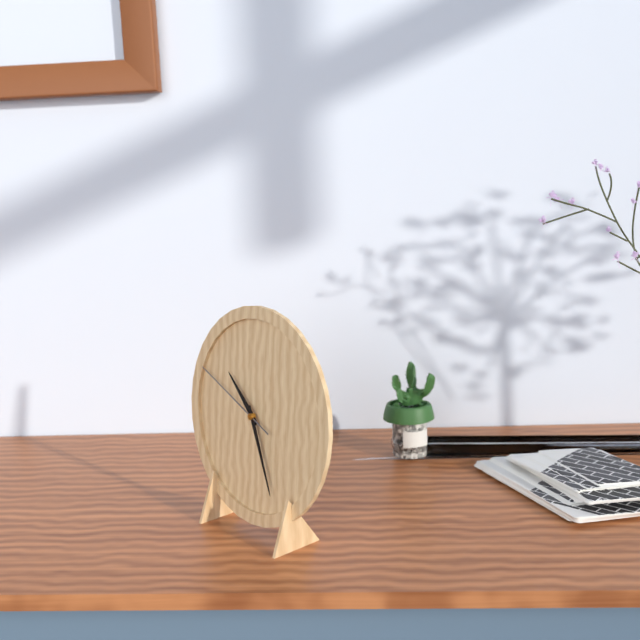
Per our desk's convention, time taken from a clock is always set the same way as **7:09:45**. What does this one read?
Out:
**10:26:49**
